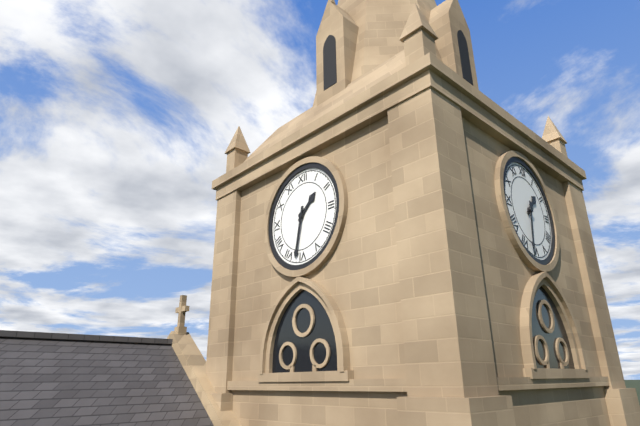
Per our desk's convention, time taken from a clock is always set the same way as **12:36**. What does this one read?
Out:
**1:32**
